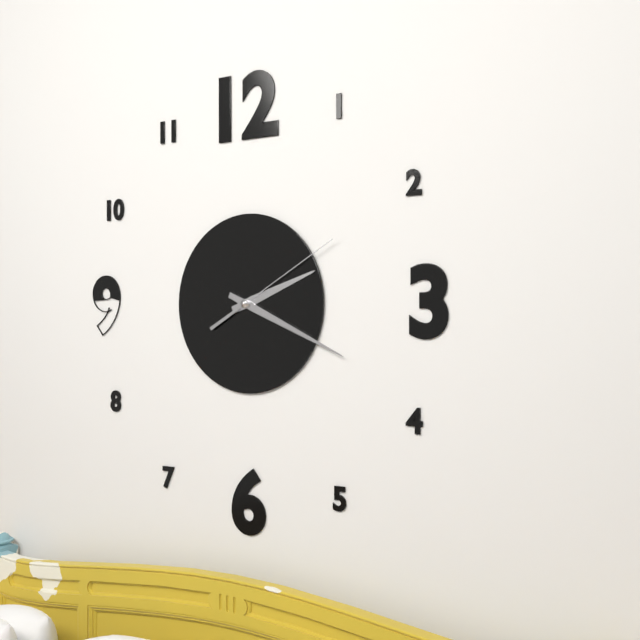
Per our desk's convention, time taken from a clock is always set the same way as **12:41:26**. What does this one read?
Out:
**2:19:10**
